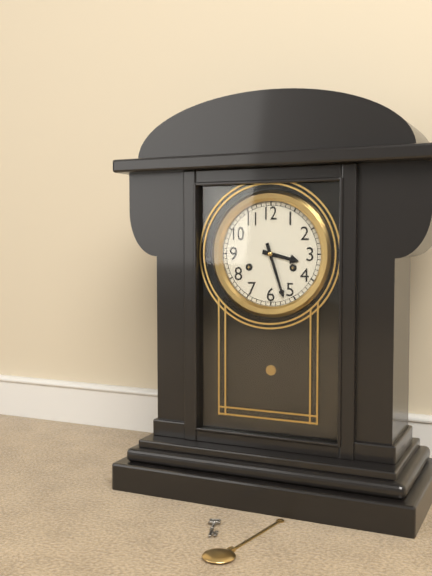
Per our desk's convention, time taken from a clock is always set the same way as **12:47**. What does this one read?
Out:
**3:27**
